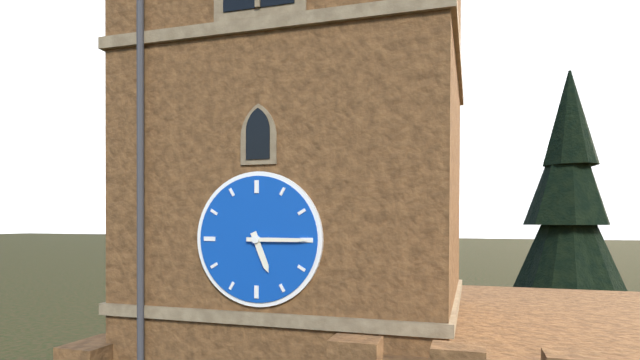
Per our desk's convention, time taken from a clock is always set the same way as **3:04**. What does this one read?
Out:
**5:15**
